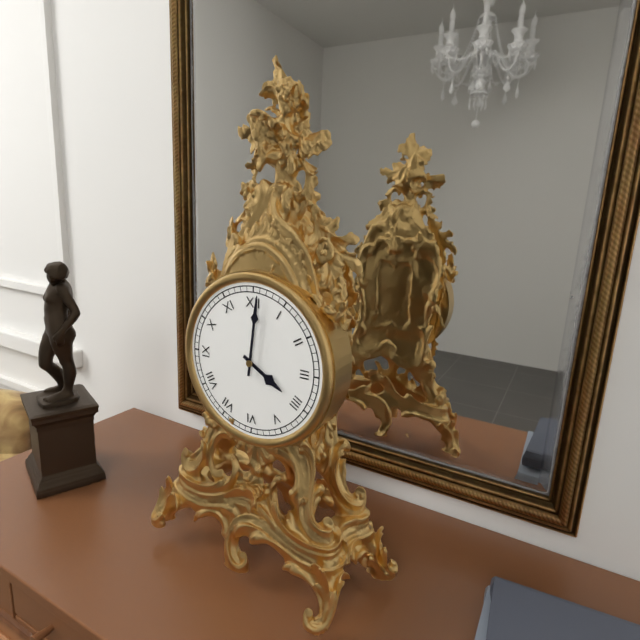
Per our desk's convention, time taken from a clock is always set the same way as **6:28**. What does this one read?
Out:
**4:01**
